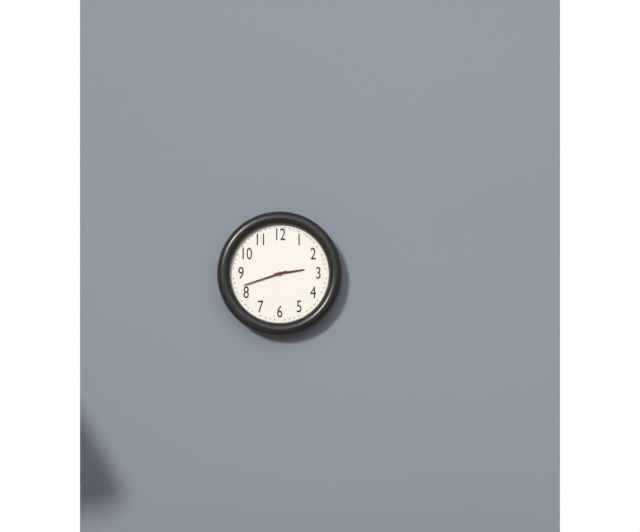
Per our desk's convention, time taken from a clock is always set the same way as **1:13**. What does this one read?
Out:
**2:42**
